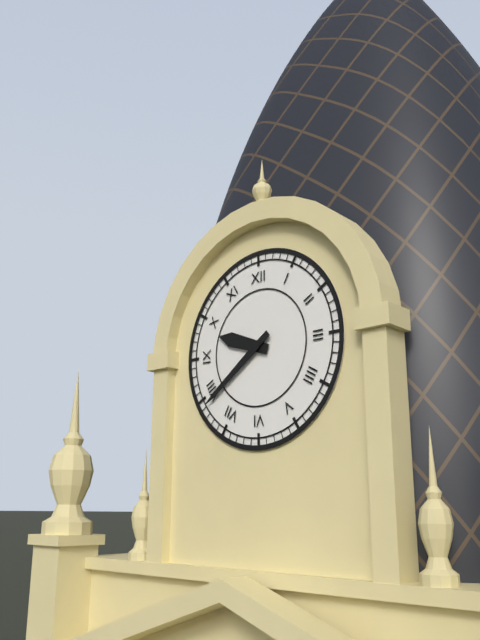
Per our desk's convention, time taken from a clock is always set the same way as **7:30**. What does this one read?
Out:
**9:39**
